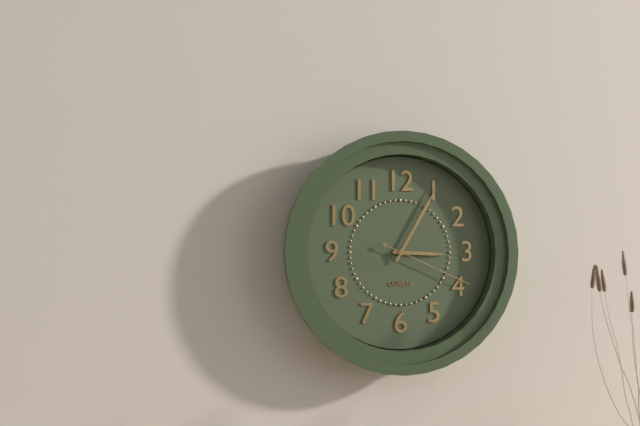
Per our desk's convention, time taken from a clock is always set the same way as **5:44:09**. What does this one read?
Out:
**3:05:19**
